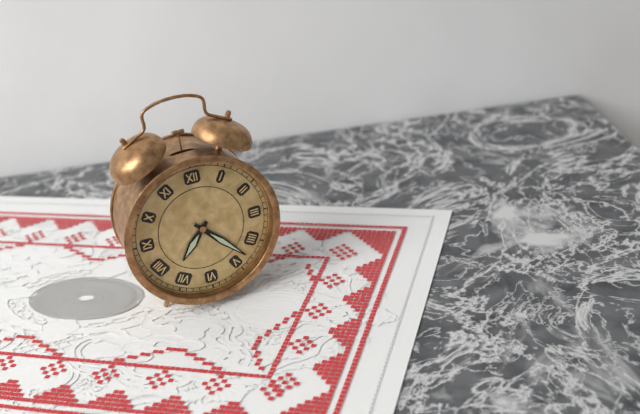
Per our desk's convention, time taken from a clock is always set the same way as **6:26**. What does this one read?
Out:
**7:23**
